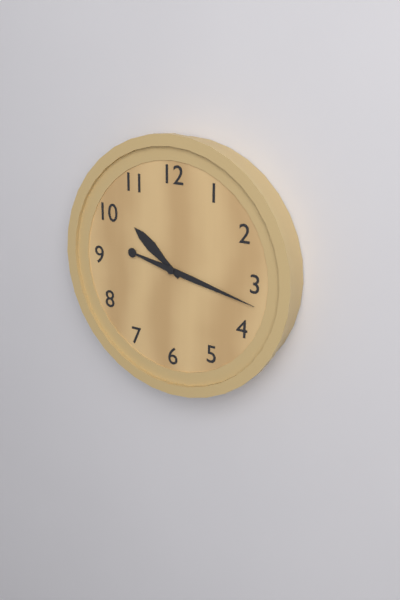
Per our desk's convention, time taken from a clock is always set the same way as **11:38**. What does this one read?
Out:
**10:17**
